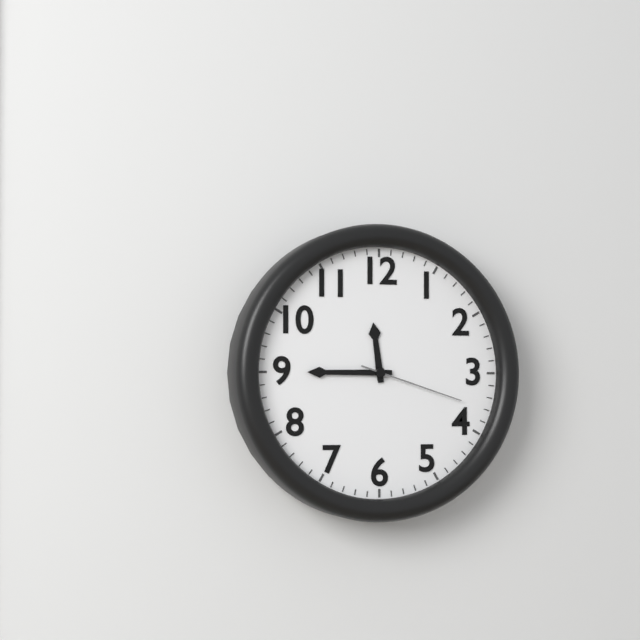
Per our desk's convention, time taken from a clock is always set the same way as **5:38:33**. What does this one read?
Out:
**11:45:18**
